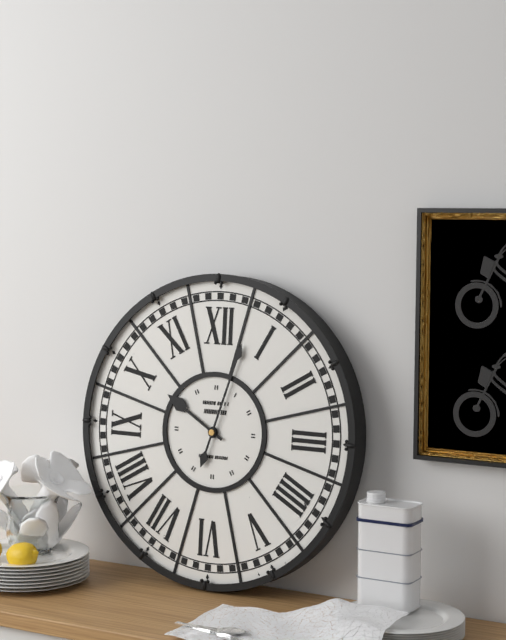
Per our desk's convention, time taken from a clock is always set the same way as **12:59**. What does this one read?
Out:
**10:03**
